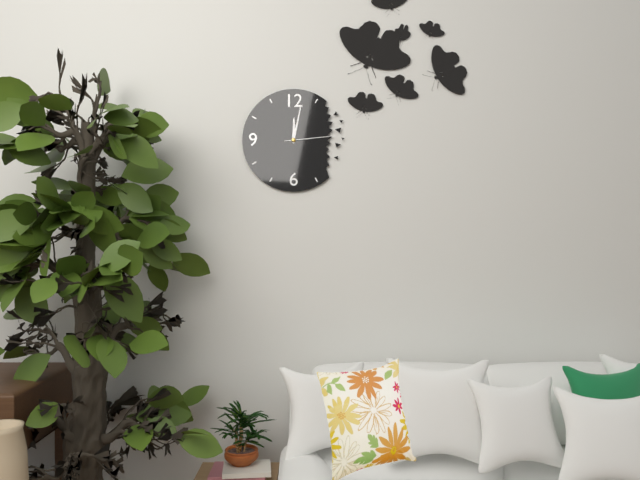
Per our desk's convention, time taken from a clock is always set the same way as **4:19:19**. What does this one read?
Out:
**12:02:14**
